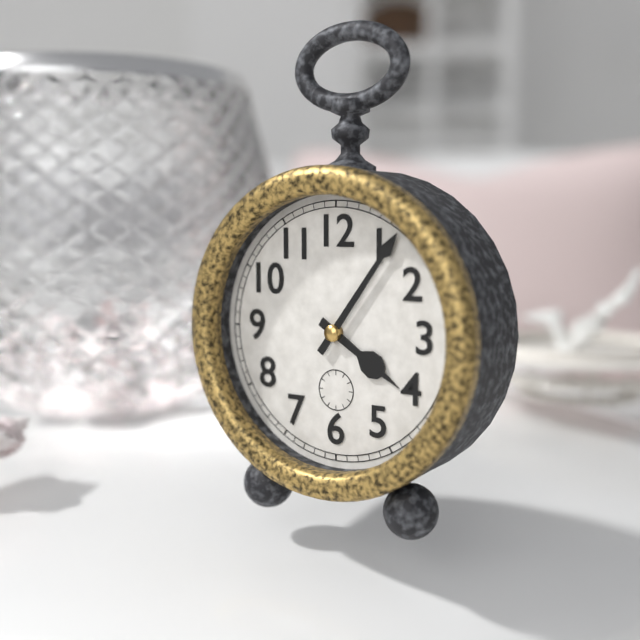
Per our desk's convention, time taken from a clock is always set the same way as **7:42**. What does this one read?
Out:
**4:06**
